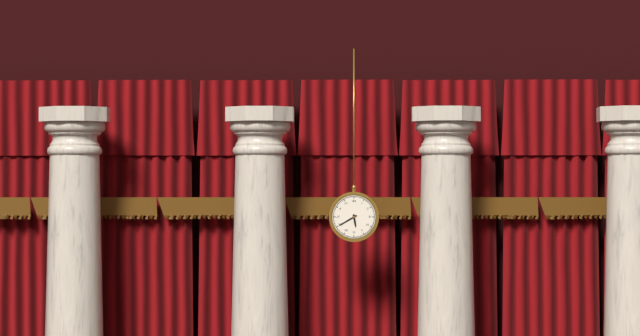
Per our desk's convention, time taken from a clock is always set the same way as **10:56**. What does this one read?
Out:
**5:40**
